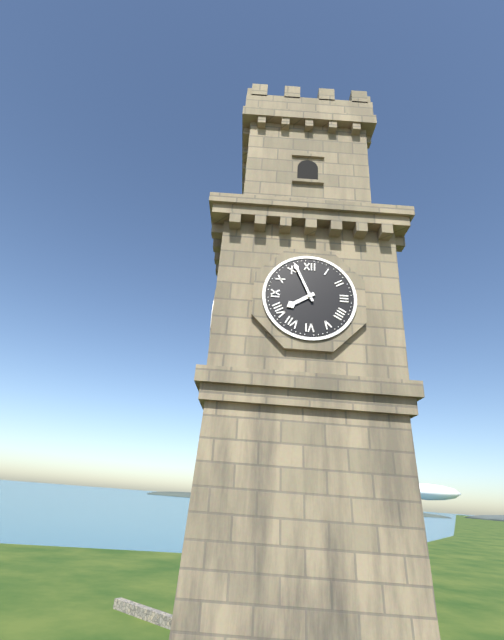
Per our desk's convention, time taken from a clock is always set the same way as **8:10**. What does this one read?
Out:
**7:56**
